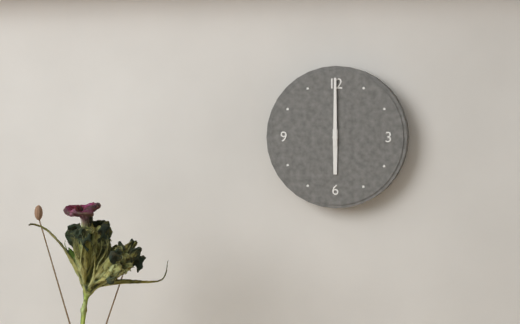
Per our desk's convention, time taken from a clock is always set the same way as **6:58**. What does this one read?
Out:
**6:00**
